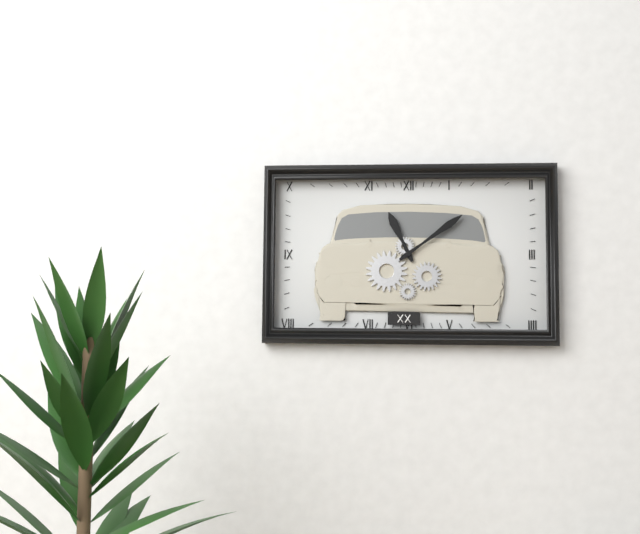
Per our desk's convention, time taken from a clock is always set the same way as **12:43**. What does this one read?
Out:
**11:09**
